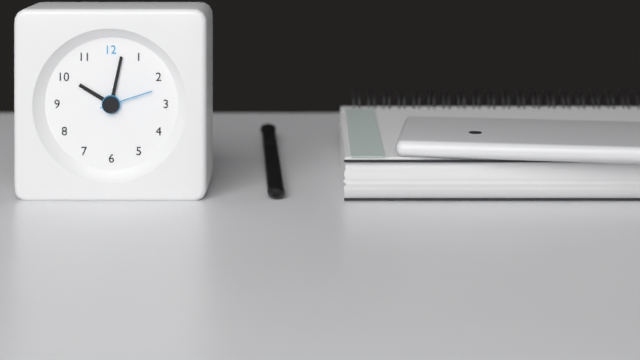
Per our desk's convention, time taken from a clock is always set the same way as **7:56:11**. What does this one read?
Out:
**10:02:12**
